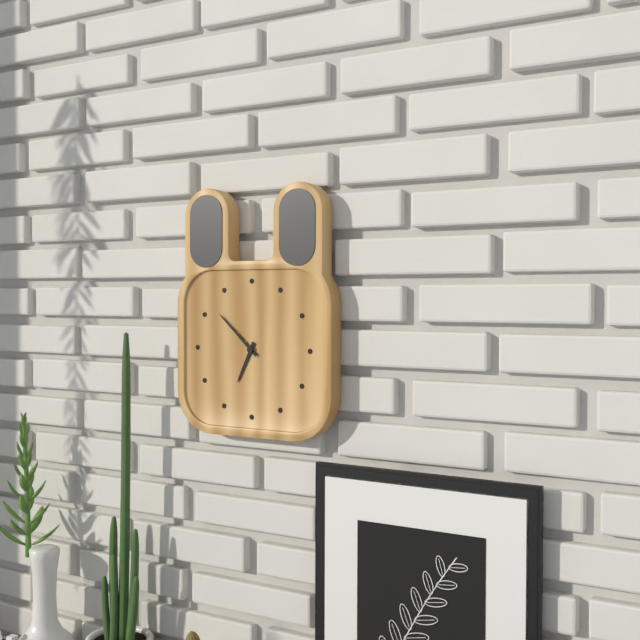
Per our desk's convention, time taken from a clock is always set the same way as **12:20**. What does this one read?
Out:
**6:52**
